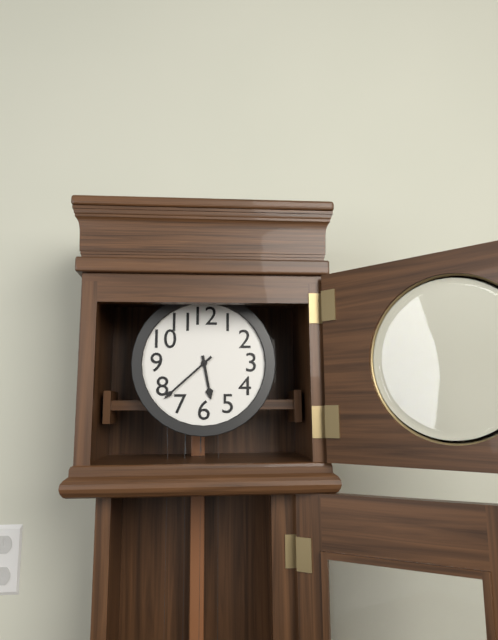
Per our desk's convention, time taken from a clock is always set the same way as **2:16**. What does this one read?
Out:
**5:38**
